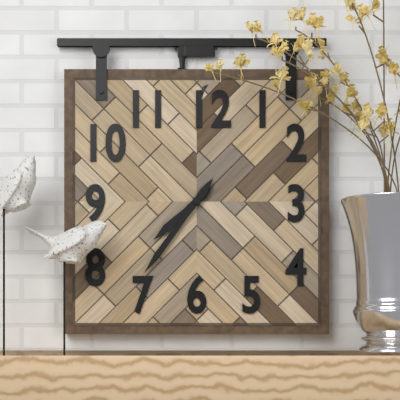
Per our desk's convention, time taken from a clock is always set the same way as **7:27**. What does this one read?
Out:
**7:36**
